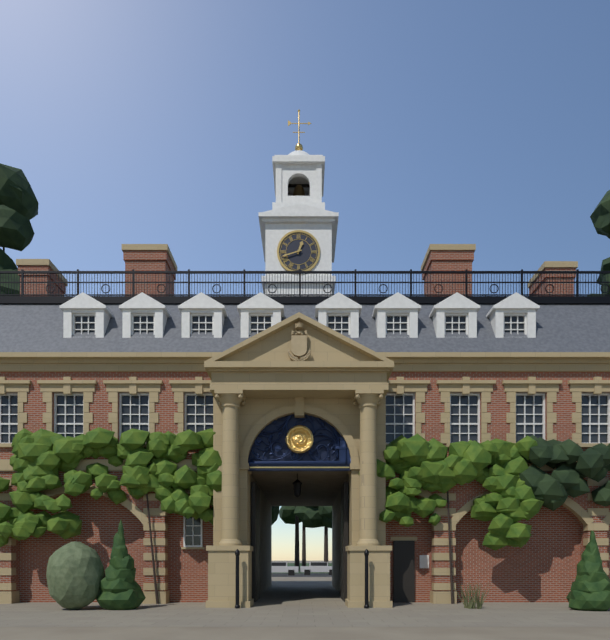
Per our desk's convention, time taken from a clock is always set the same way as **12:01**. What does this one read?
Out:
**12:42**
